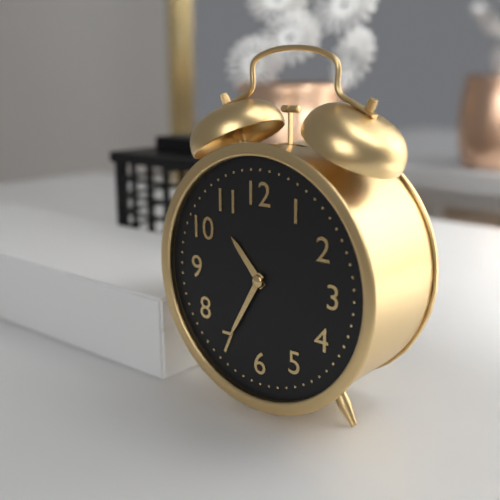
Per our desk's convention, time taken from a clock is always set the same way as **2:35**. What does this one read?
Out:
**10:35**
